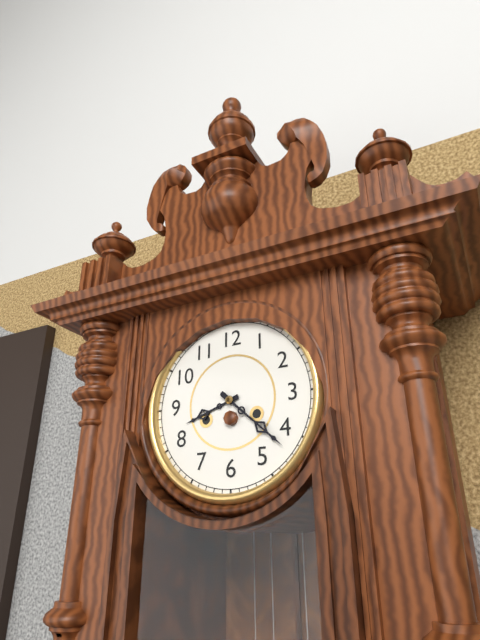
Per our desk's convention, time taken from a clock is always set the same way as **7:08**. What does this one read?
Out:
**8:22**
